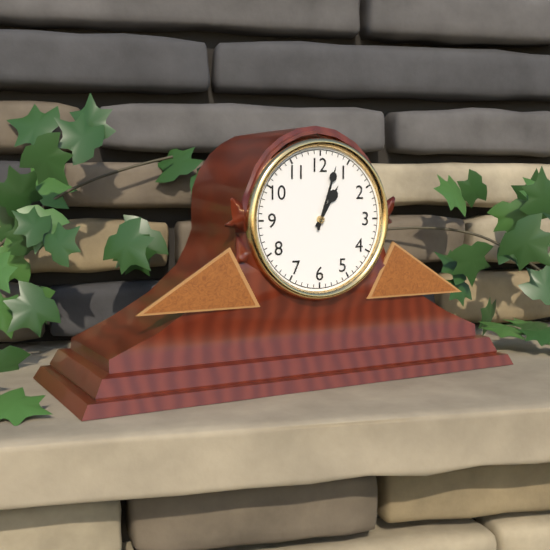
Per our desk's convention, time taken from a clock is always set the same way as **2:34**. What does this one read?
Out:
**1:03**
